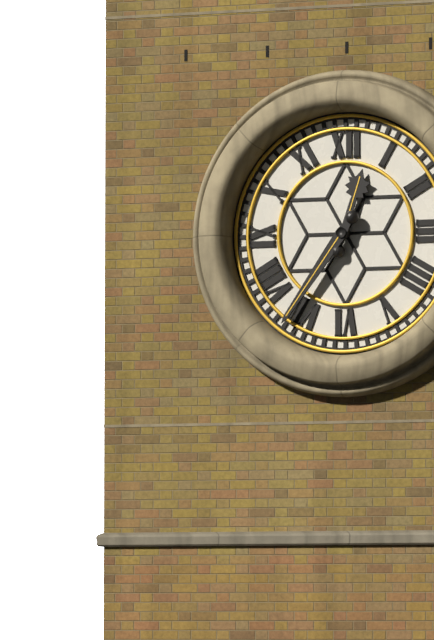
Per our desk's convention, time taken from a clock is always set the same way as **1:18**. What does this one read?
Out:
**12:36**
